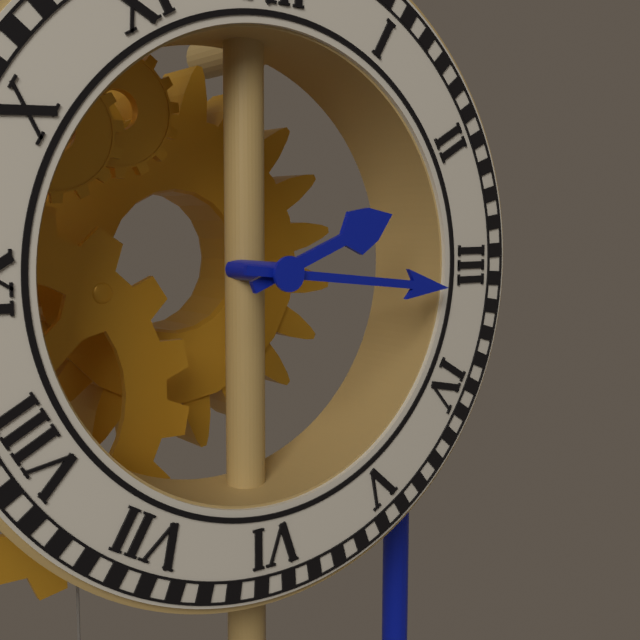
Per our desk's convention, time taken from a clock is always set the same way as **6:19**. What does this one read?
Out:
**2:16**
